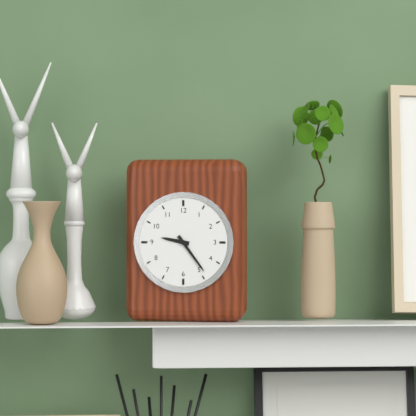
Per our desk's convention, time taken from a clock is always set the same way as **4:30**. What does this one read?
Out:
**9:24**
